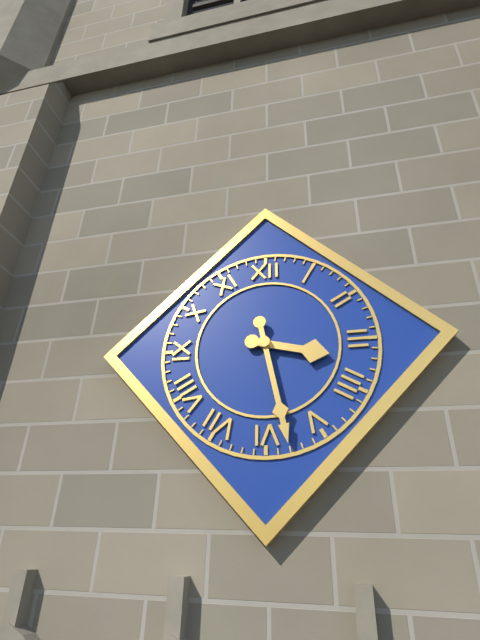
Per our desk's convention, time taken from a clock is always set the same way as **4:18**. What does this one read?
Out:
**3:28**
